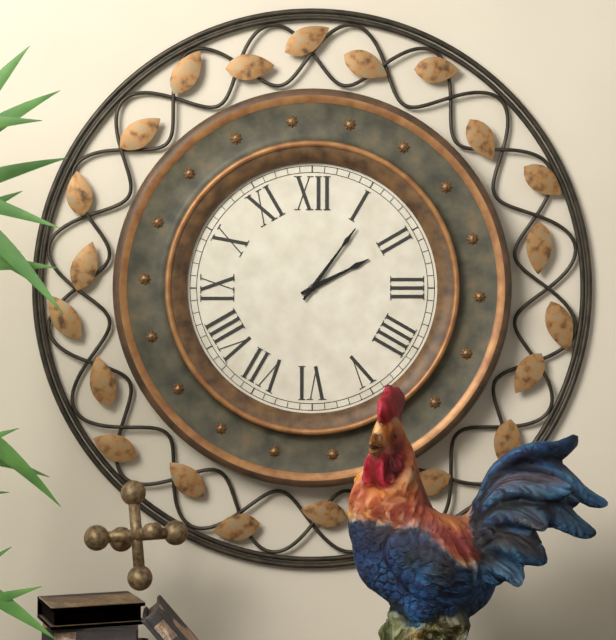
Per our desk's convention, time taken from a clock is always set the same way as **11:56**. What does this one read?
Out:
**2:06**
